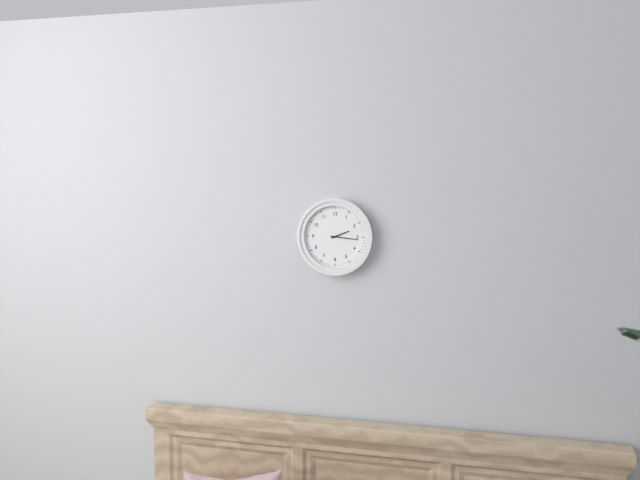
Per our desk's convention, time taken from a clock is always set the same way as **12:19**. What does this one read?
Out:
**2:16**
